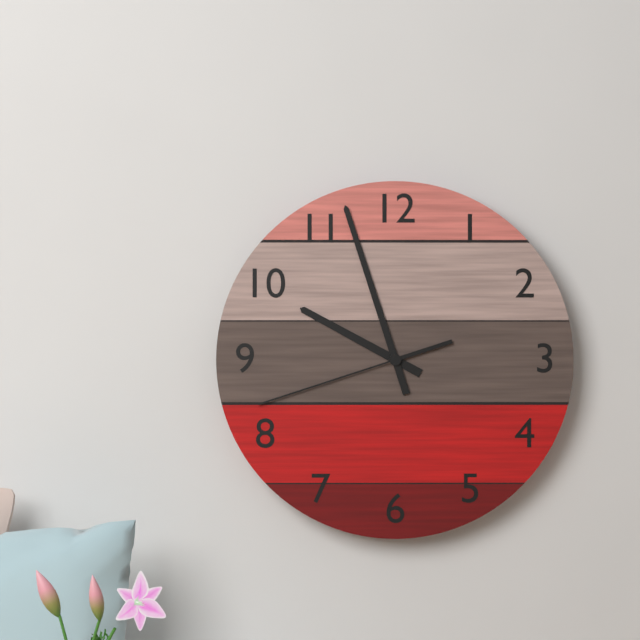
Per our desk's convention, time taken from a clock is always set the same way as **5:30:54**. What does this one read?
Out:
**9:57:42**
